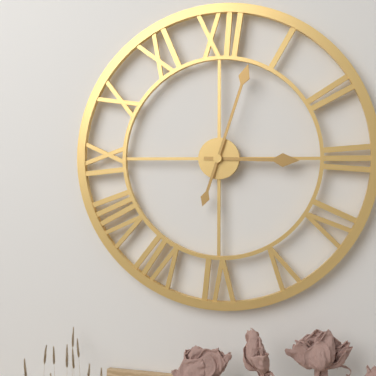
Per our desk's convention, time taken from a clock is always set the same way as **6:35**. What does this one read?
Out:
**3:03**
